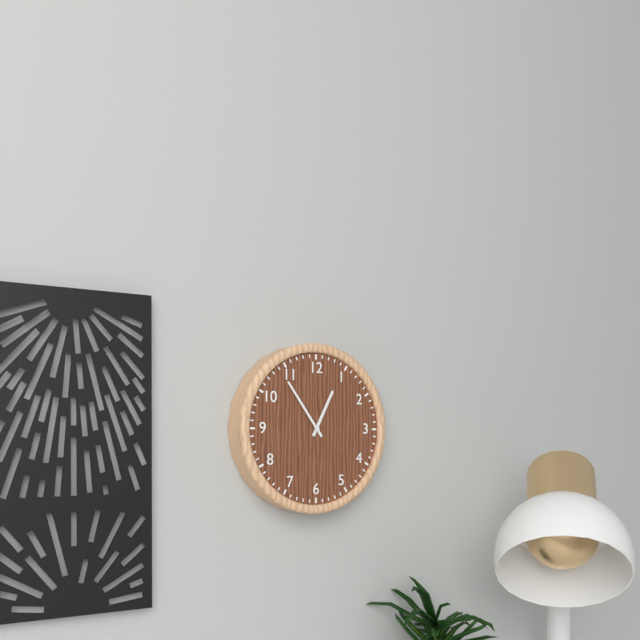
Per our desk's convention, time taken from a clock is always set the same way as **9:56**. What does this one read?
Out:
**12:54**
